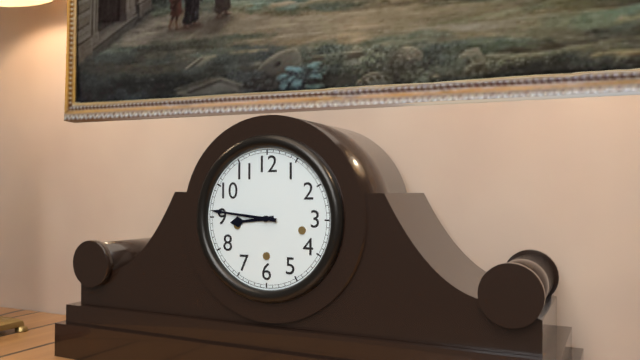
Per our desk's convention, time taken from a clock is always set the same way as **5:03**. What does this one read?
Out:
**8:46**
